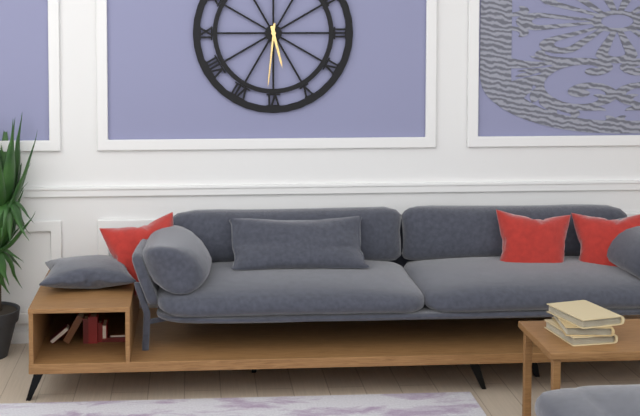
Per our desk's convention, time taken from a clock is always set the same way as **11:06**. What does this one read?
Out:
**5:31**
